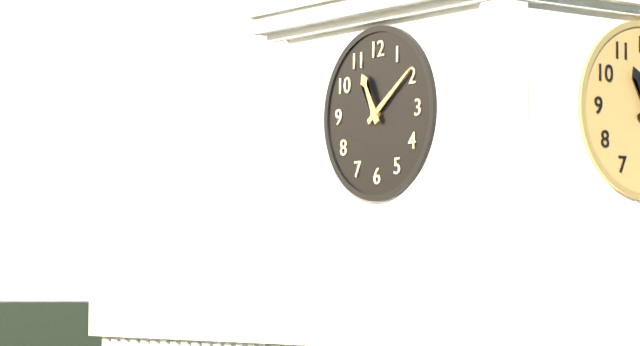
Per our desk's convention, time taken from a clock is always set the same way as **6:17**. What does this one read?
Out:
**11:09**
